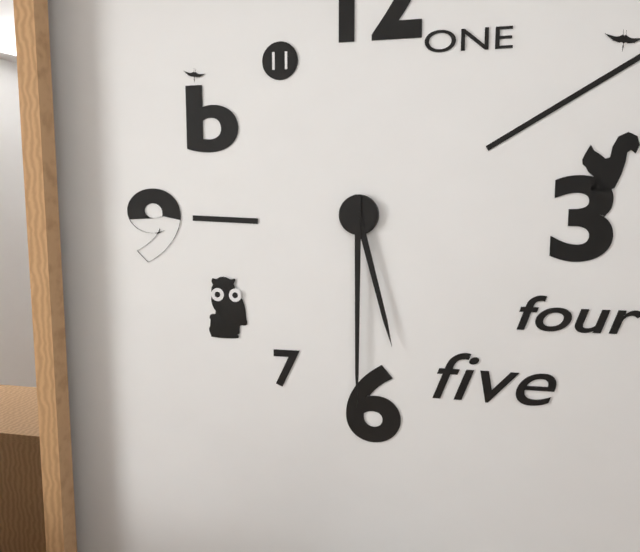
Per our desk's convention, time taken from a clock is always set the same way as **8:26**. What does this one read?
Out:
**5:30**
